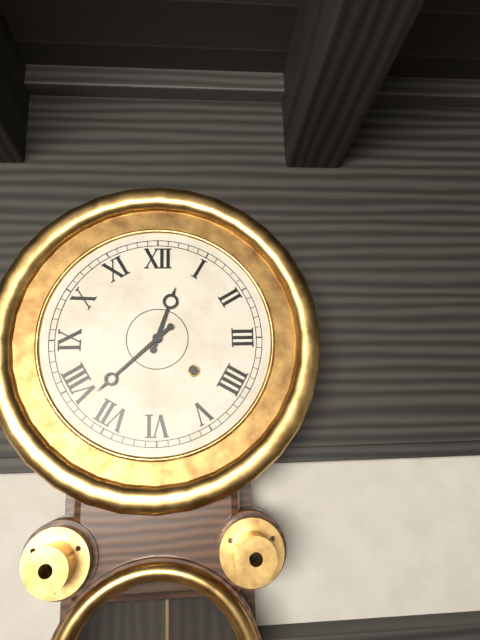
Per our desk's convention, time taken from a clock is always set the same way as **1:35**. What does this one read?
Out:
**12:38**
